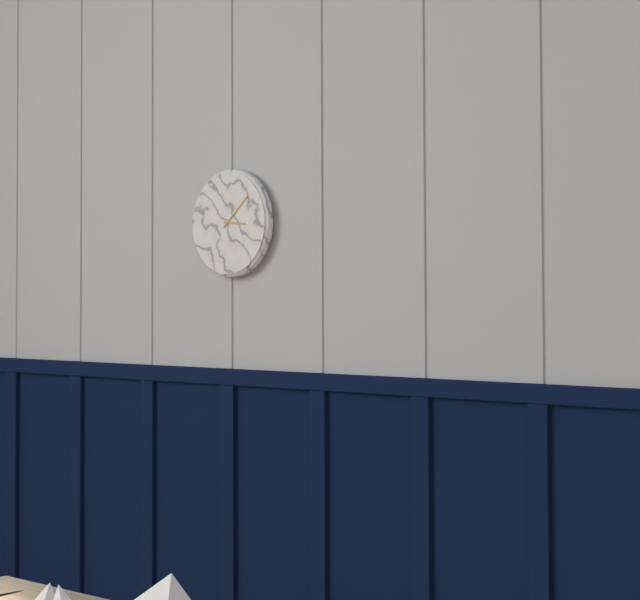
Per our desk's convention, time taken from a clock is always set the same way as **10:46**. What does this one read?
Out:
**3:08**
